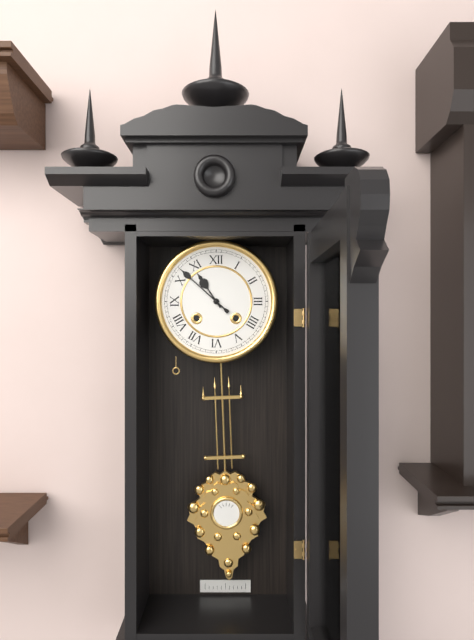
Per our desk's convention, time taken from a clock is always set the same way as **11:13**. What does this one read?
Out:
**10:52**
